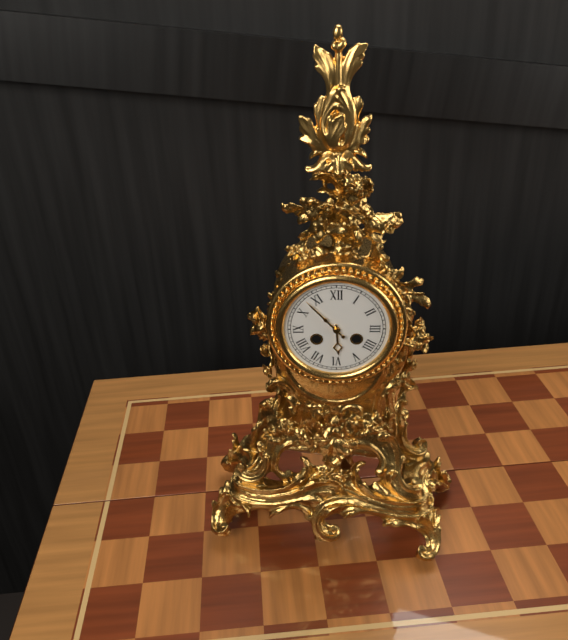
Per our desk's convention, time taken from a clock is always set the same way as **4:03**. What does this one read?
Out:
**5:53**
